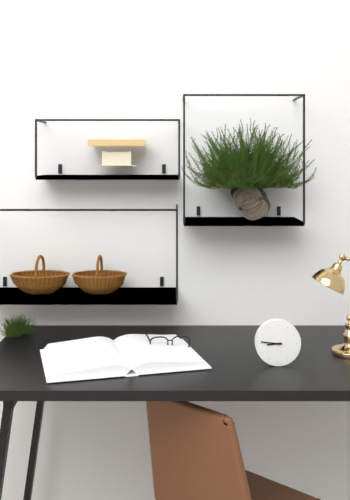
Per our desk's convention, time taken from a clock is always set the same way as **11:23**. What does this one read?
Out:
**8:46**
